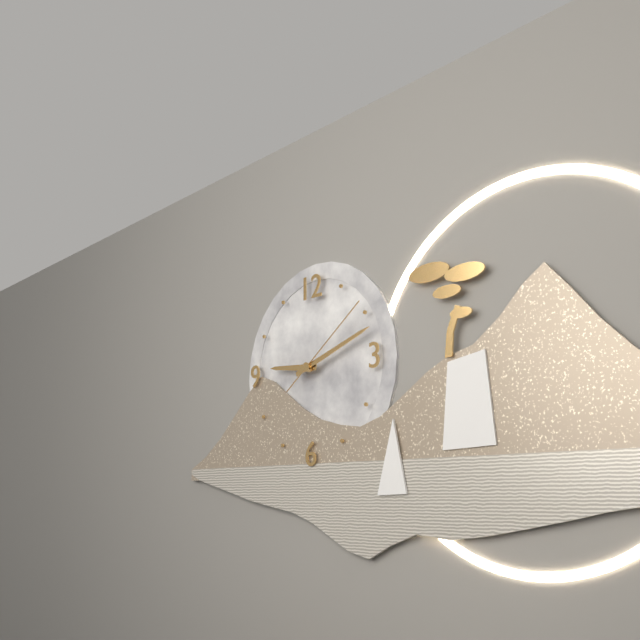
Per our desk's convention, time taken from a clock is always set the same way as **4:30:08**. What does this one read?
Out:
**9:12:09**
